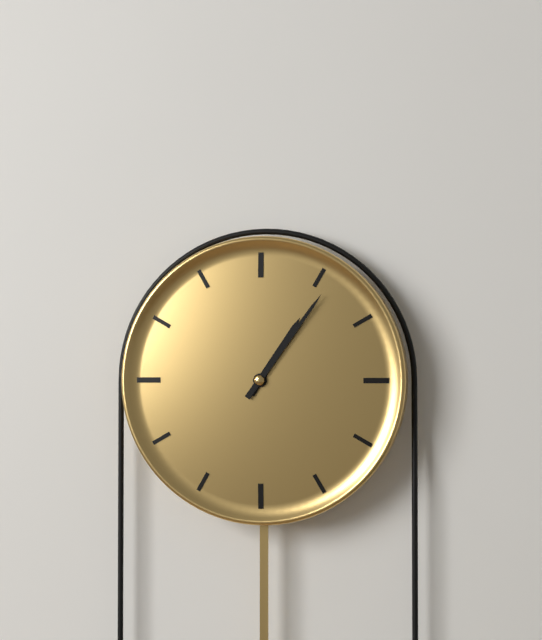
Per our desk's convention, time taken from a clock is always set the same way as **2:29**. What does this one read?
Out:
**1:06**
